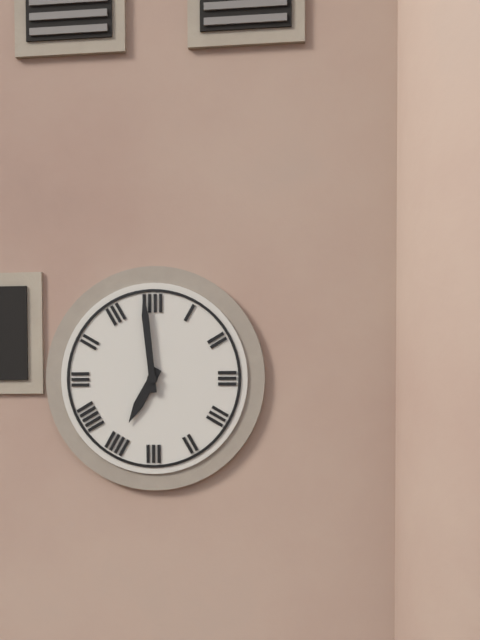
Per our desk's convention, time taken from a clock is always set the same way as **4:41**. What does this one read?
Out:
**6:59**
